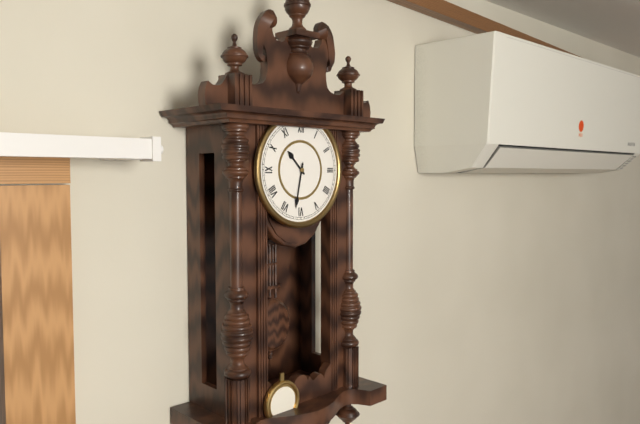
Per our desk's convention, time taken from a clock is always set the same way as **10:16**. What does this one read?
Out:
**10:32**
